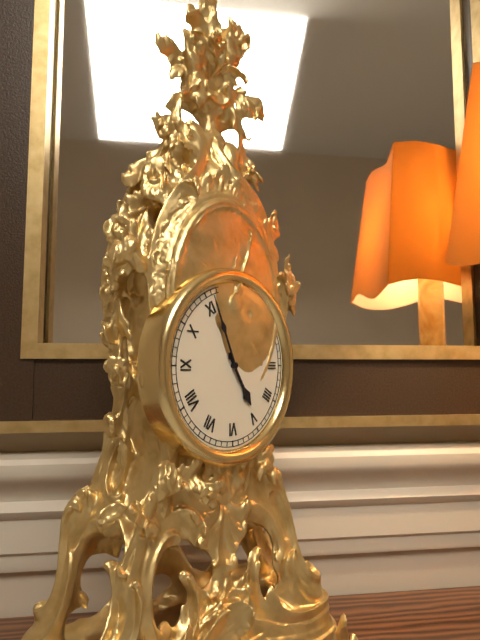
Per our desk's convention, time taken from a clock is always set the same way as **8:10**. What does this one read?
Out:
**4:56**
